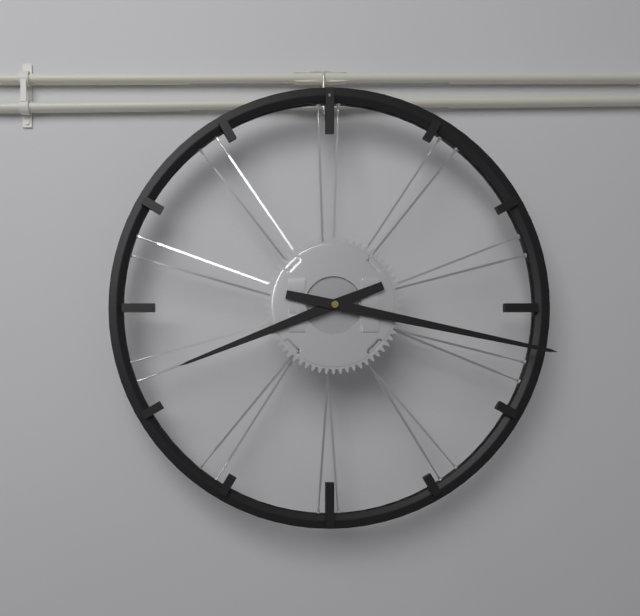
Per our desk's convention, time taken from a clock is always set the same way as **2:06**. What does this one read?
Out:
**8:17**
